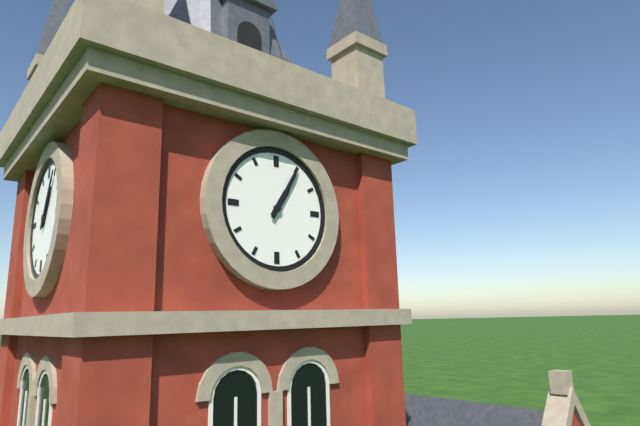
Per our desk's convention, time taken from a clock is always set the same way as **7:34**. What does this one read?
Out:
**1:05**
